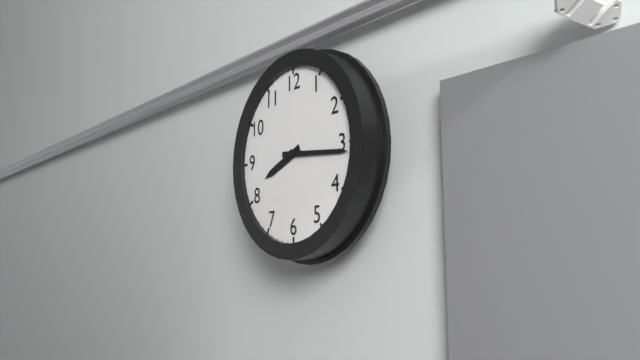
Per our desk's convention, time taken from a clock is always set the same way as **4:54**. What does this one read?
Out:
**8:16**
